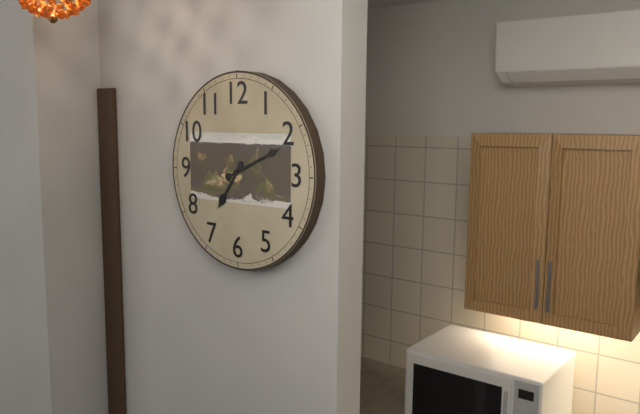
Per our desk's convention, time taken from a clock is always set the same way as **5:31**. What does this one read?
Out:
**7:11**
